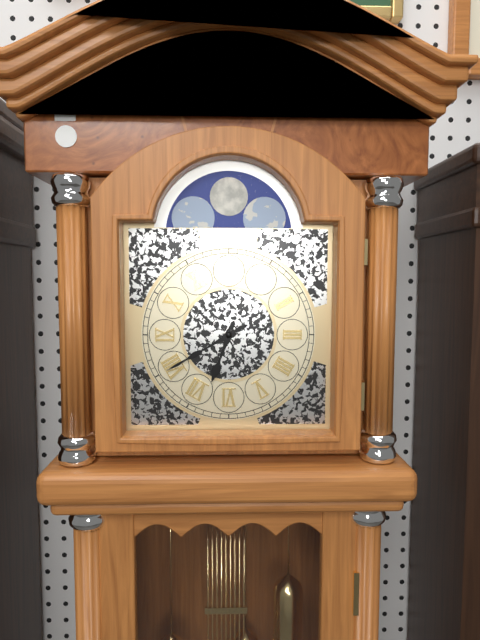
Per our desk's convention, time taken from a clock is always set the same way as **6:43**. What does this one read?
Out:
**6:40**
